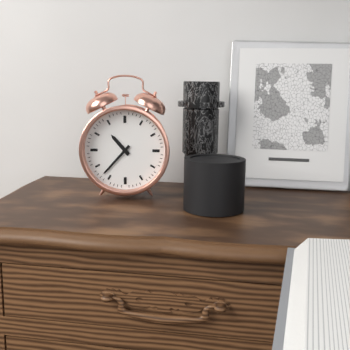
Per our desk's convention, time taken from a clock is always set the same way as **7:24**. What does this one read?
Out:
**10:37**
